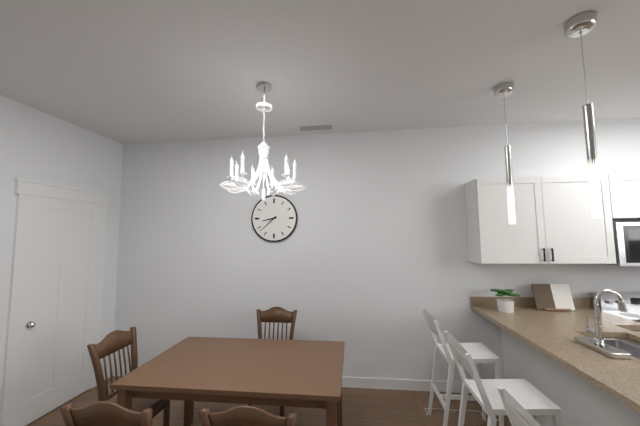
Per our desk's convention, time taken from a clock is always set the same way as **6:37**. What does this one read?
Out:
**8:38**
